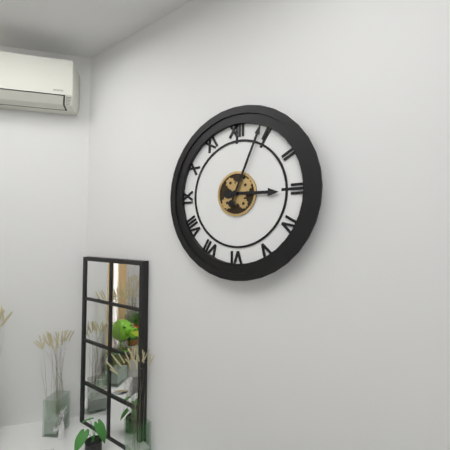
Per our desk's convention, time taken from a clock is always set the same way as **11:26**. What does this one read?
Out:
**3:04**
